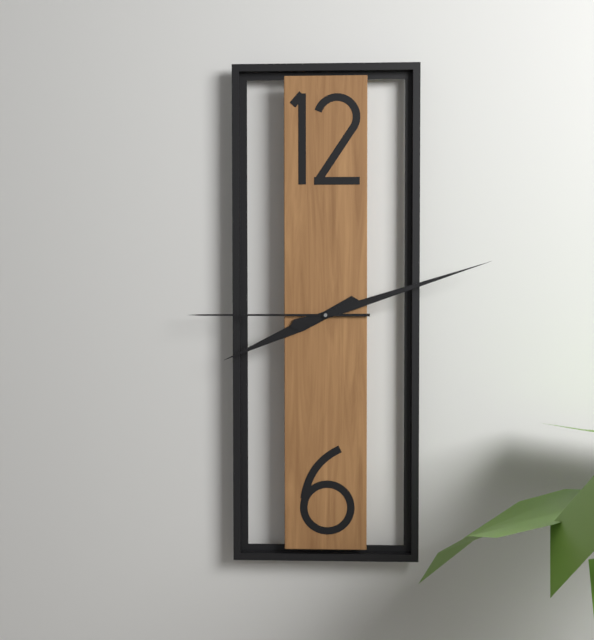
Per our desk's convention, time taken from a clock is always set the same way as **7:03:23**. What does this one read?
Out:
**8:12:45**
